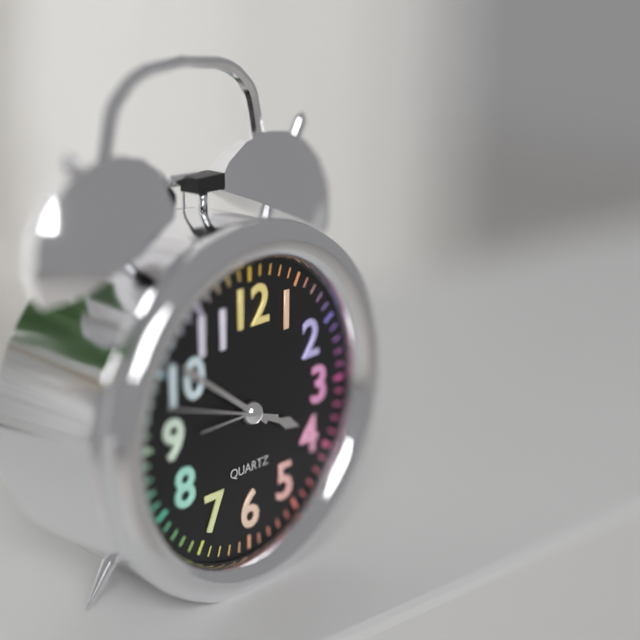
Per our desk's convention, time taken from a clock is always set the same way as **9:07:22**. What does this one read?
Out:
**3:51:48**
